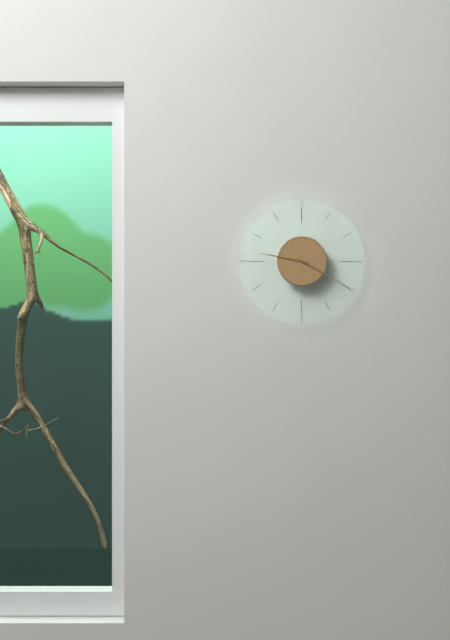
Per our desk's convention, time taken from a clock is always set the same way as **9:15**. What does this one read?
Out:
**9:20**
